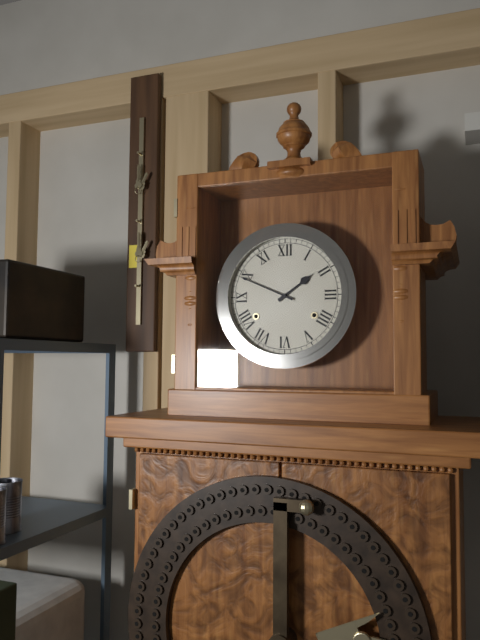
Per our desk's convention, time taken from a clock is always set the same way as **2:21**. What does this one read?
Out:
**1:49**
